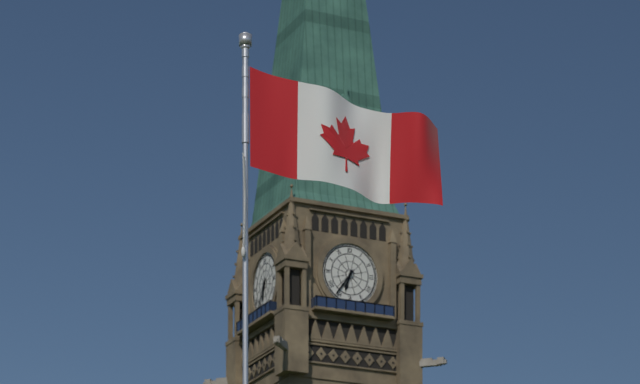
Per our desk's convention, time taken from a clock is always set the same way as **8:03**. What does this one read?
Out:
**6:36**
